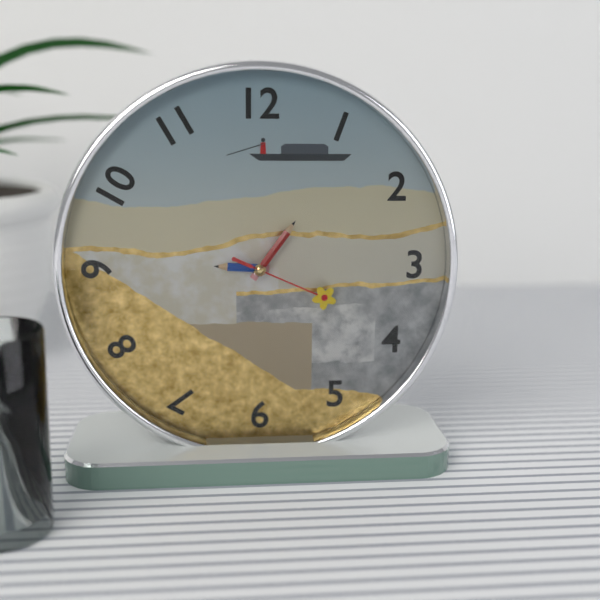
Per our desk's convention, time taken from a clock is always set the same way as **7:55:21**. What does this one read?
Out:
**9:06:19**
